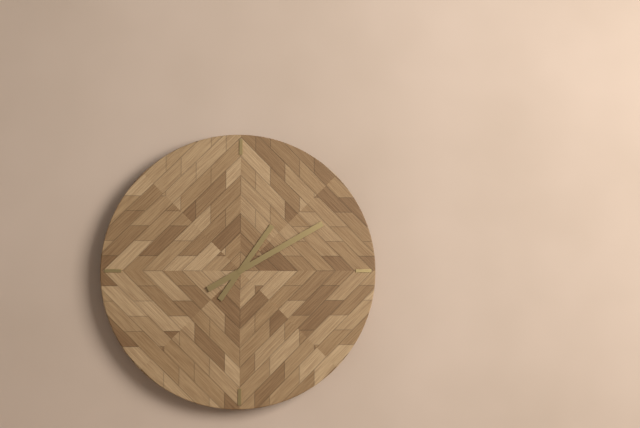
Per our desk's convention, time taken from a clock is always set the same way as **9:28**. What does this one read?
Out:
**1:10**
